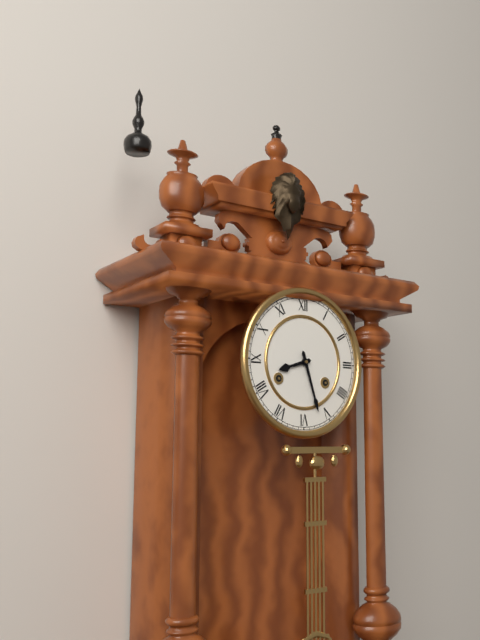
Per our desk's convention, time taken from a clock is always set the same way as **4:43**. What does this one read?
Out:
**8:27**
